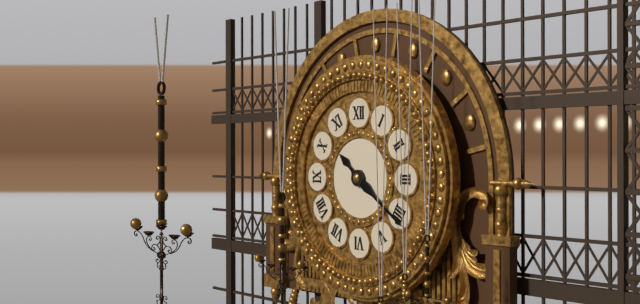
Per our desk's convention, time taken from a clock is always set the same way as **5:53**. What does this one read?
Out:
**10:21**
